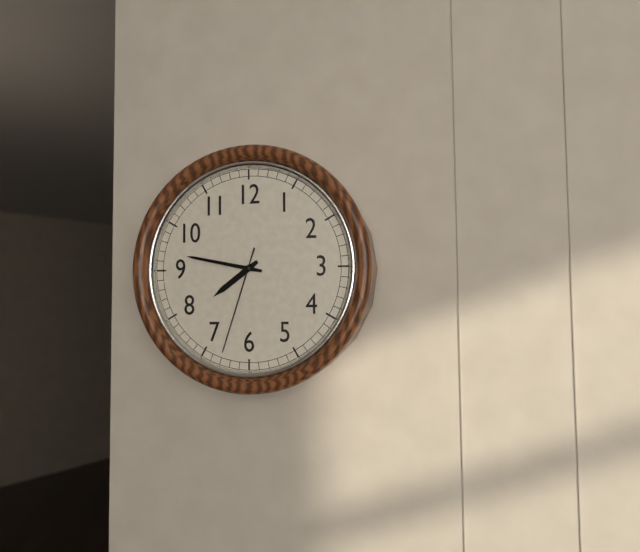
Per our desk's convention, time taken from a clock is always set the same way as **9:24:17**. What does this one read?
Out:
**7:47:33**
